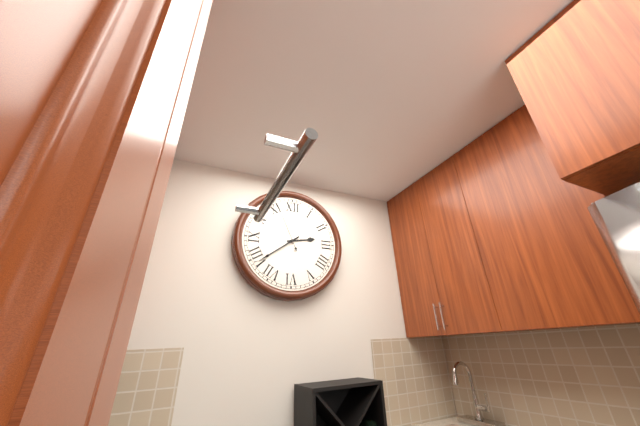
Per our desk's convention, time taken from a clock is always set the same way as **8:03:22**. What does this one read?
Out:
**2:39:56**
